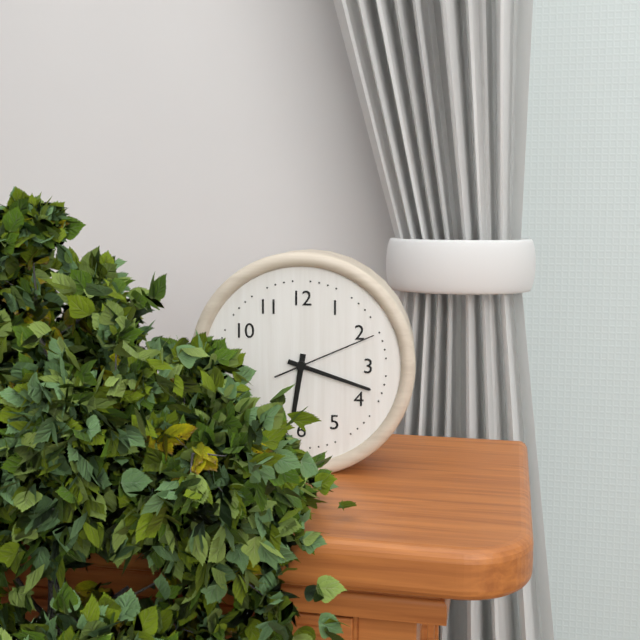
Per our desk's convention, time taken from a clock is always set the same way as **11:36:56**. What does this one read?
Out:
**6:18:11**
